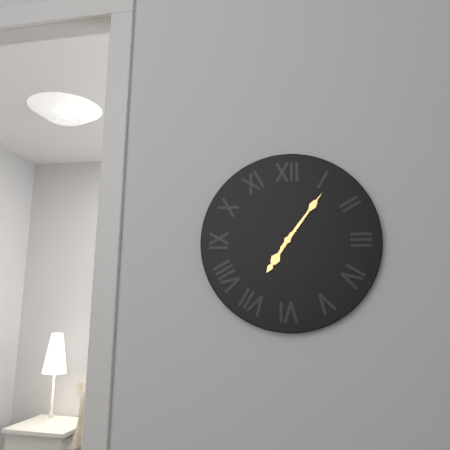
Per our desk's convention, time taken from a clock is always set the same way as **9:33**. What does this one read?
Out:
**7:06**
